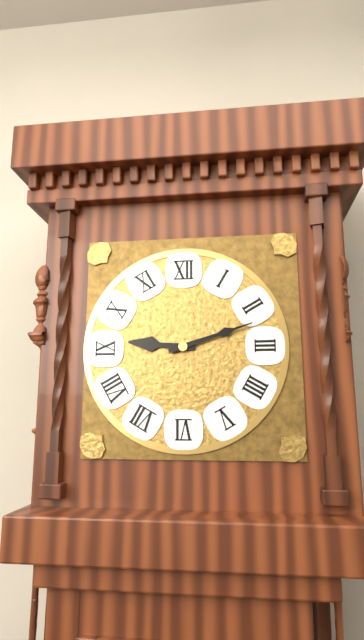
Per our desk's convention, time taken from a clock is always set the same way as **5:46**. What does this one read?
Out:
**9:12**
